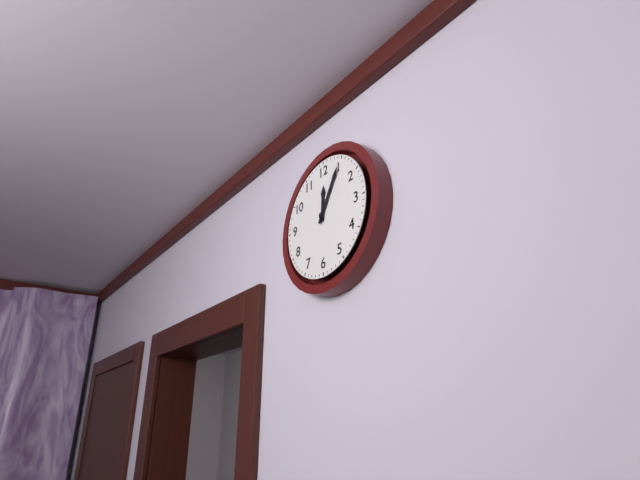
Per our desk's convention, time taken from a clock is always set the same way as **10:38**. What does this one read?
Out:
**12:05**
